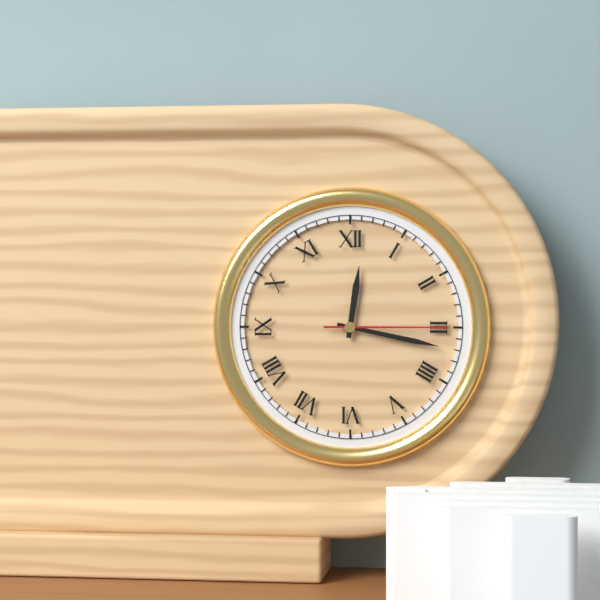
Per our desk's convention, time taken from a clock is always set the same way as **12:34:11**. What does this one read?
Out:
**12:17:15**
